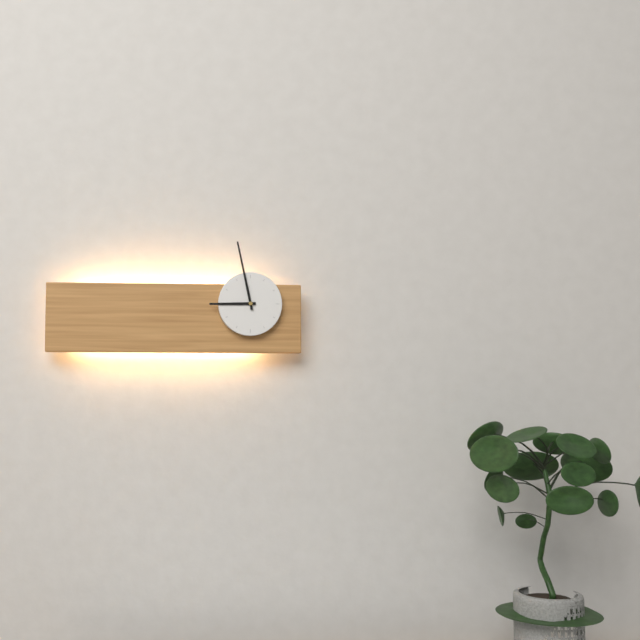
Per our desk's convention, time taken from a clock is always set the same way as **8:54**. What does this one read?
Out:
**8:58**
